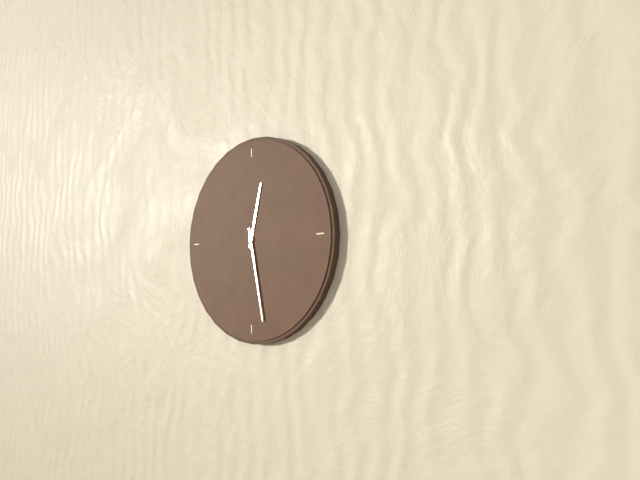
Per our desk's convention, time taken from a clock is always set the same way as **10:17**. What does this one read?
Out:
**12:28**
